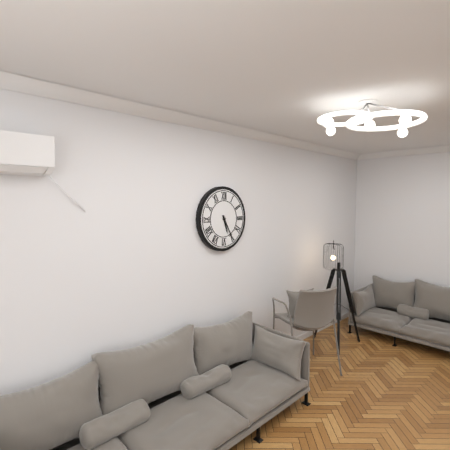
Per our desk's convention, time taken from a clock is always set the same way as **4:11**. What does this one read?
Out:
**5:25**
